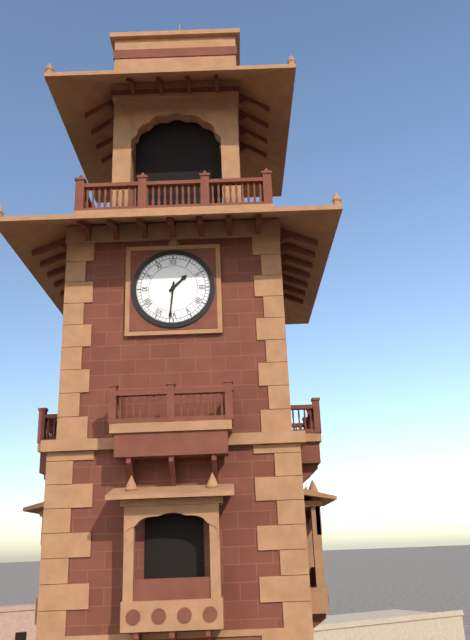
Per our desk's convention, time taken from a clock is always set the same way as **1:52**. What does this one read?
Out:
**1:31**
